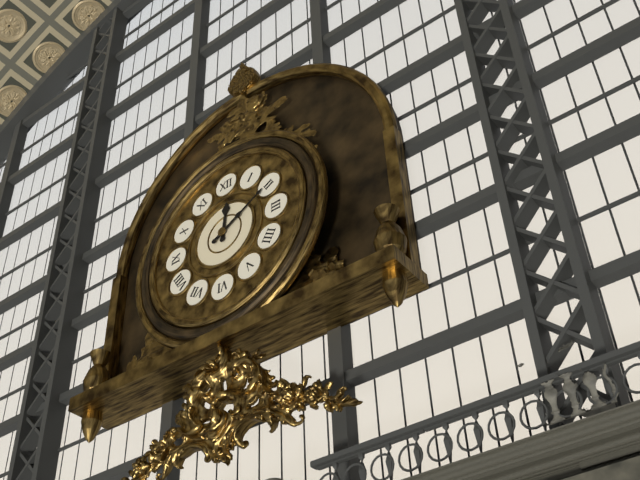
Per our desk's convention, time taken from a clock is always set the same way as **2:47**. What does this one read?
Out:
**12:10**
